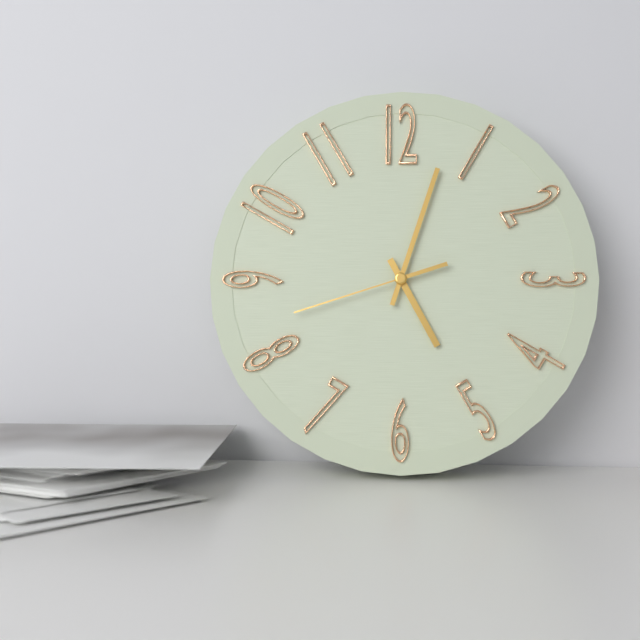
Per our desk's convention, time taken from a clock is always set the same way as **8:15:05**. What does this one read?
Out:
**5:03:42**
